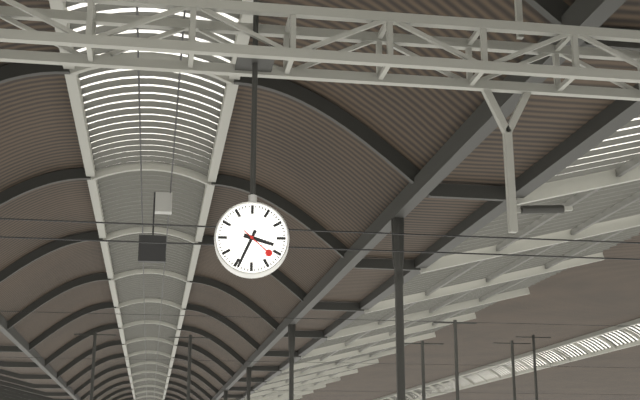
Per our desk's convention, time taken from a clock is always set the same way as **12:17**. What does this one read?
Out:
**3:34**
